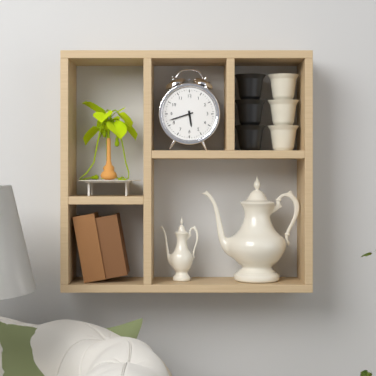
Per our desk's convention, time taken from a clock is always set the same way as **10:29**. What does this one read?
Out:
**5:42**
